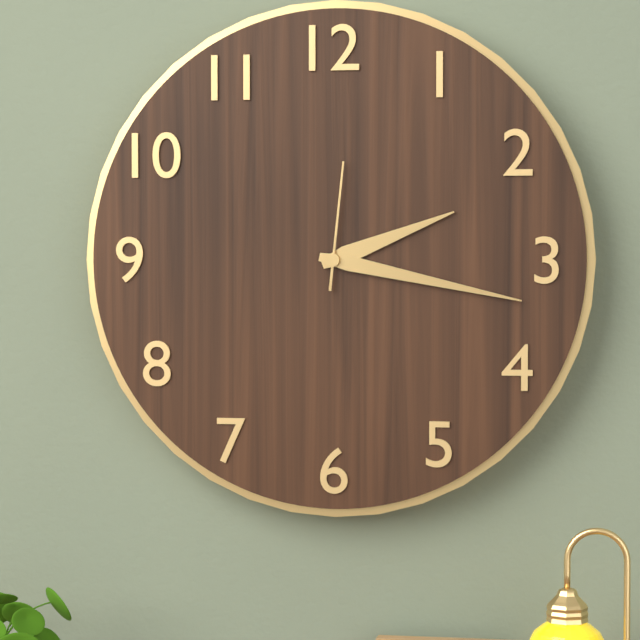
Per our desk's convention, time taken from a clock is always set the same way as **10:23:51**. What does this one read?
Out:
**2:17:01**
